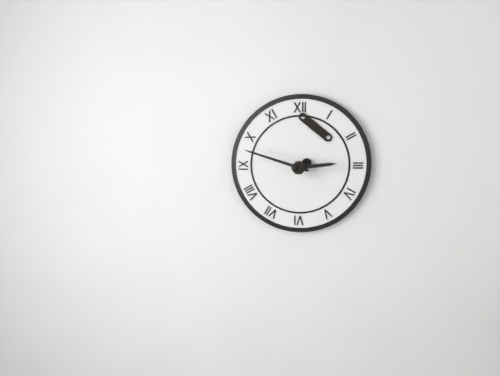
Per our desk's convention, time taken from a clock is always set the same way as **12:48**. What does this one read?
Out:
**2:48**
